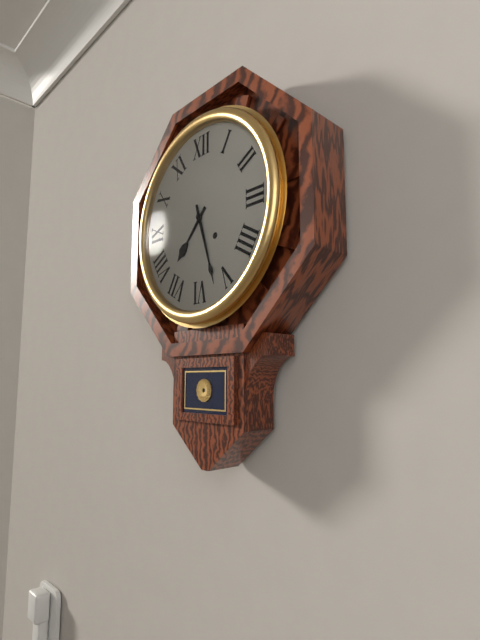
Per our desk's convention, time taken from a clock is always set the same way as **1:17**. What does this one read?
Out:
**7:27**
